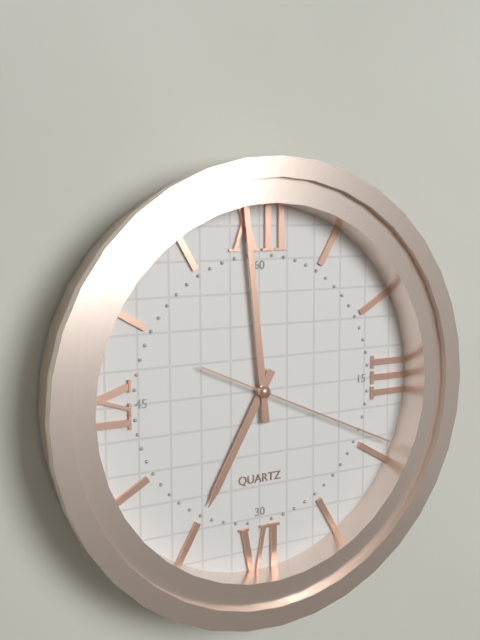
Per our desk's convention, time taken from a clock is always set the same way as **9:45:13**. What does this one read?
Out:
**6:59:19**
